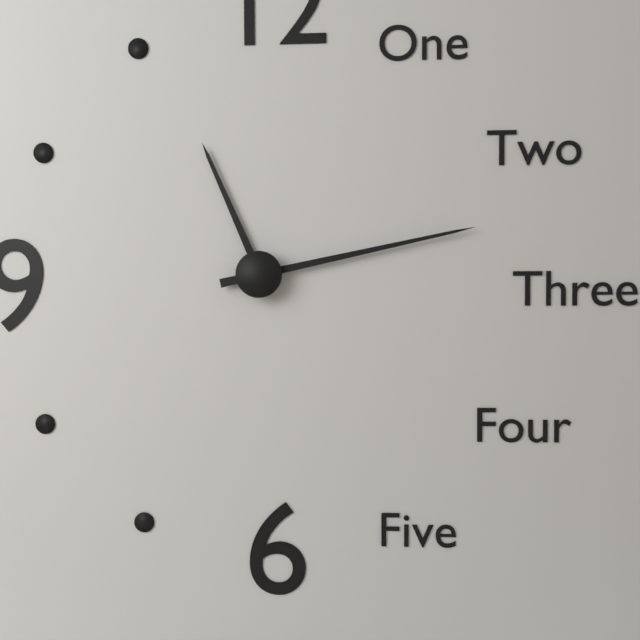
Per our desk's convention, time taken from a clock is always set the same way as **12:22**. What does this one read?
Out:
**11:13**
